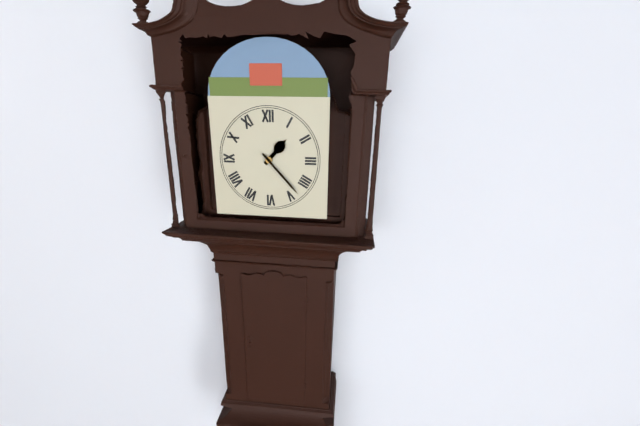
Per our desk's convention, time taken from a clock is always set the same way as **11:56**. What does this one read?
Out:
**1:23**
